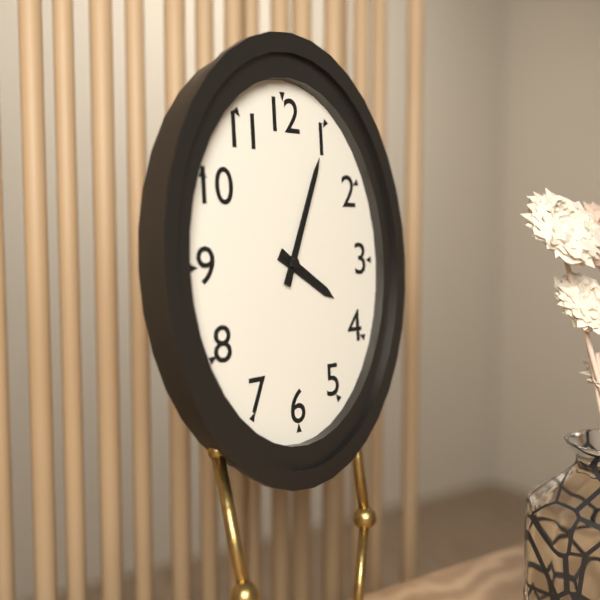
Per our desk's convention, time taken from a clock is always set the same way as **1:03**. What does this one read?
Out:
**4:04**
